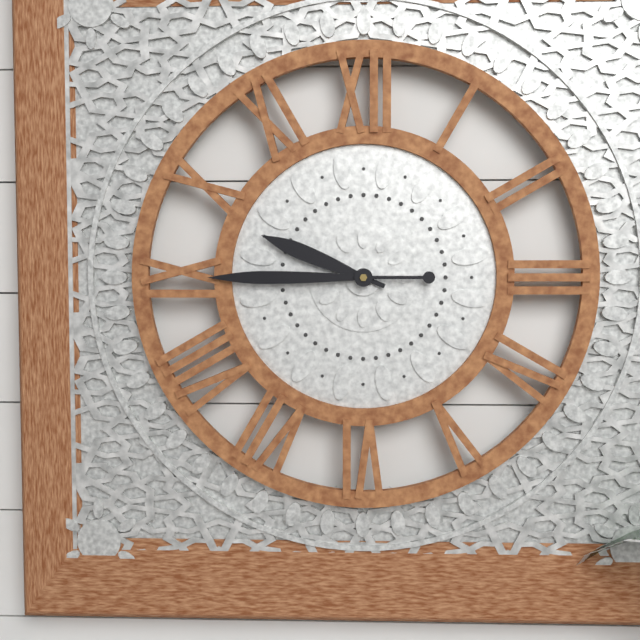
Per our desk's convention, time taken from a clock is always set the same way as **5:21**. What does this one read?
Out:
**9:45**
